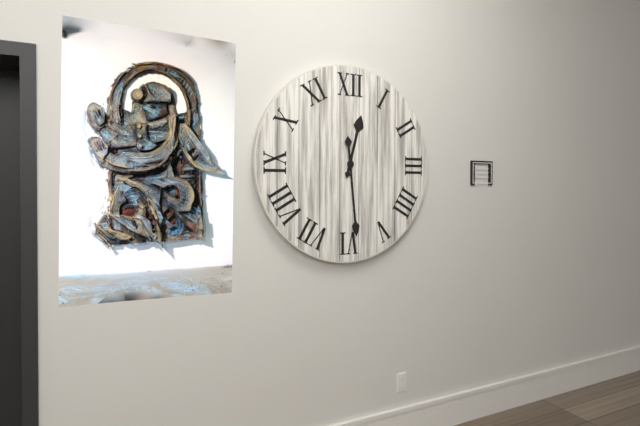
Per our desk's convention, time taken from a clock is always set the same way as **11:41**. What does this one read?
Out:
**12:29**
